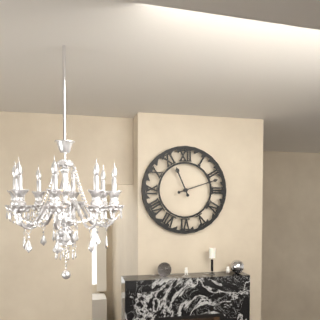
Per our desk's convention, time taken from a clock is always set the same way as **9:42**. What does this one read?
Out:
**11:12**
